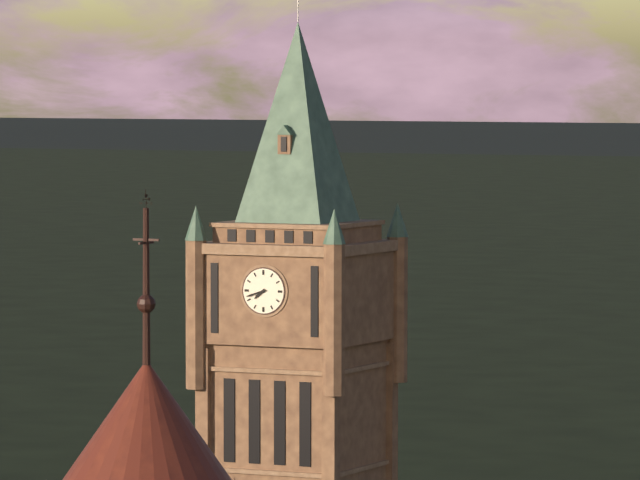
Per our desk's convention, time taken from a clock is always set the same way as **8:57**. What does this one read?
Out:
**7:42**
